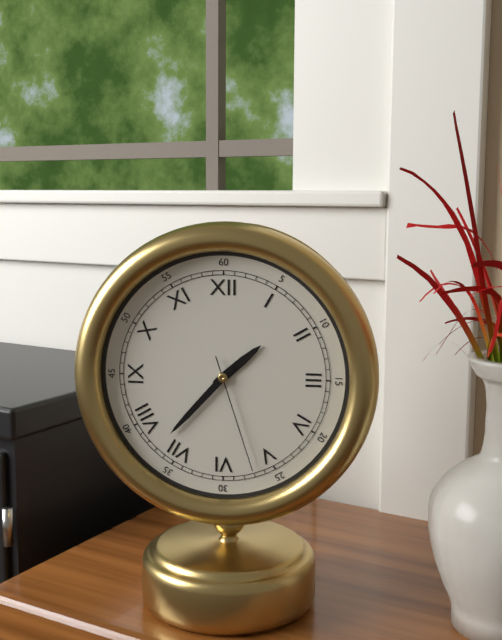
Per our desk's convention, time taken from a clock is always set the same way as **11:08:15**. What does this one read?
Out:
**1:37:27**
